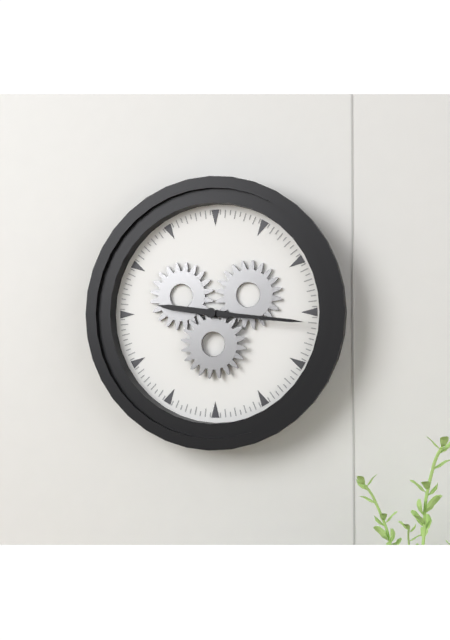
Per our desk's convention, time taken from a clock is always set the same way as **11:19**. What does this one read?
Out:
**9:16**
